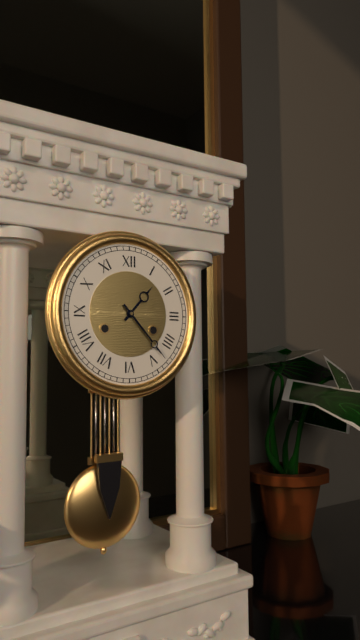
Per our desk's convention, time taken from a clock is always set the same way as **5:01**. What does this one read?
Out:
**1:23**
